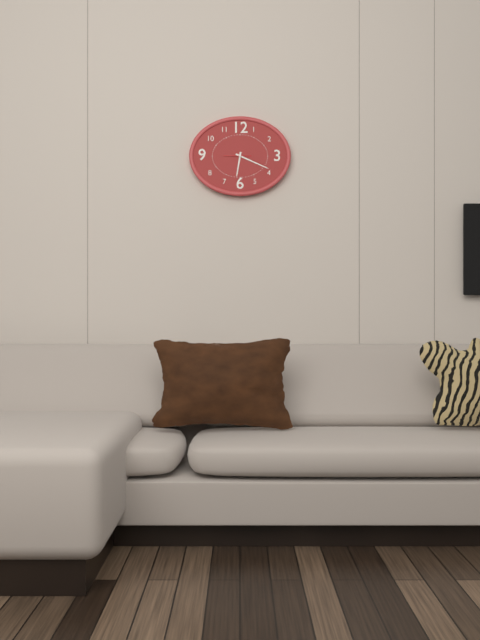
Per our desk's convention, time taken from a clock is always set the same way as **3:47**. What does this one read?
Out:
**6:19**
